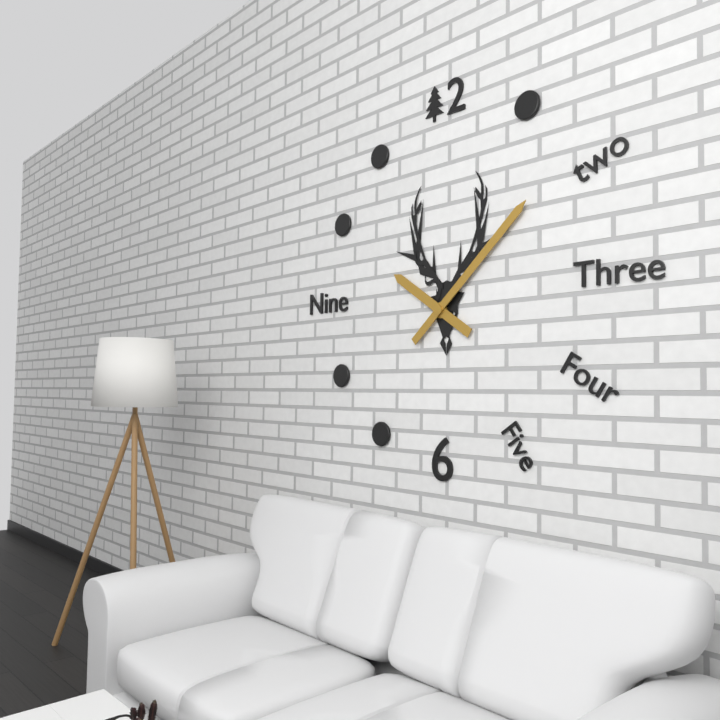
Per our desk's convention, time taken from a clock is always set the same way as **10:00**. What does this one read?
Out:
**10:08**
